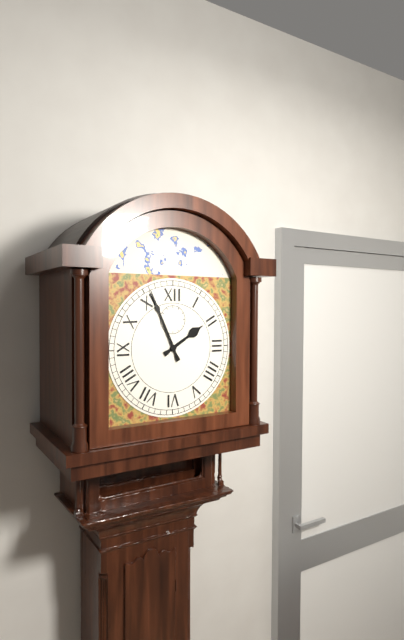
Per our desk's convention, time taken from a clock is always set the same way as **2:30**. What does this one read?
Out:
**1:56**
